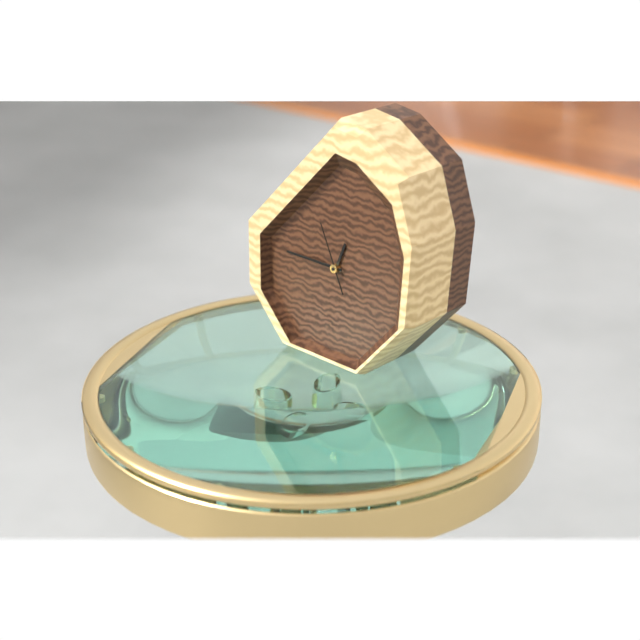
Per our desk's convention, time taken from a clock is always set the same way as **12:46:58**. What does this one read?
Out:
**12:45:56**
